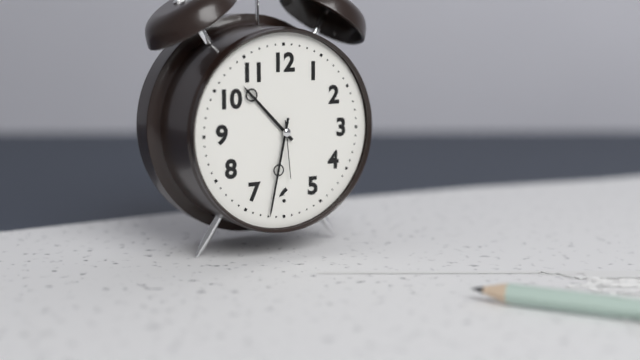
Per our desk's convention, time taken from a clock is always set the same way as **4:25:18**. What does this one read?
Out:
**10:32:29**
